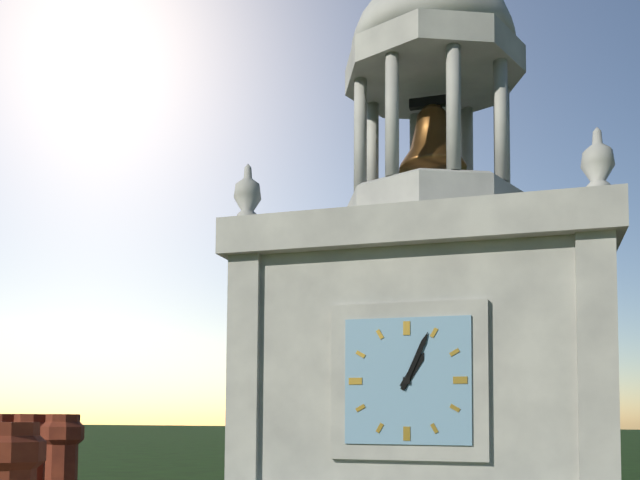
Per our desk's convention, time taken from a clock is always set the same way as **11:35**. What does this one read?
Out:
**1:04**
